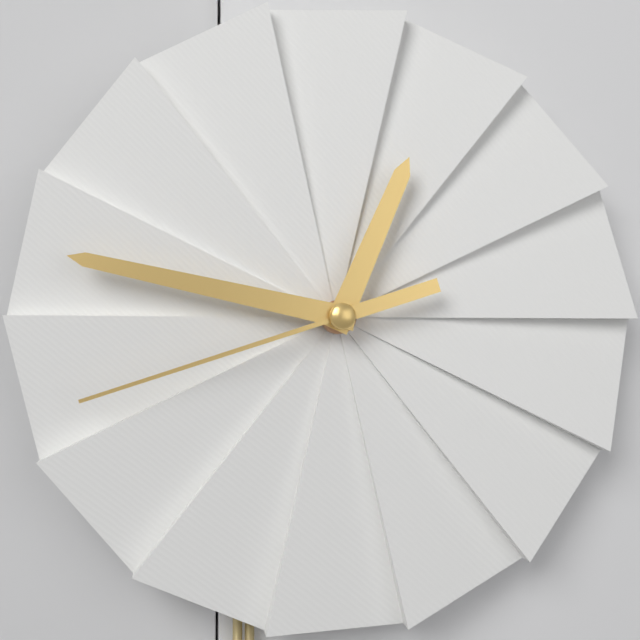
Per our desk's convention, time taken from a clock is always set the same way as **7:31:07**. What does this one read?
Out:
**12:47:42**
